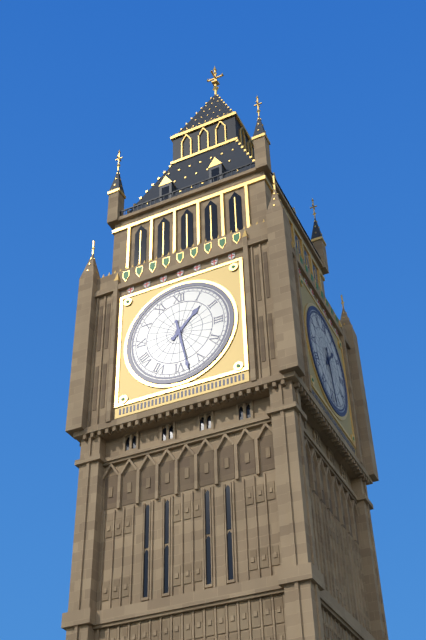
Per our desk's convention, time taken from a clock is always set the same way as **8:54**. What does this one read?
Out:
**1:28**
